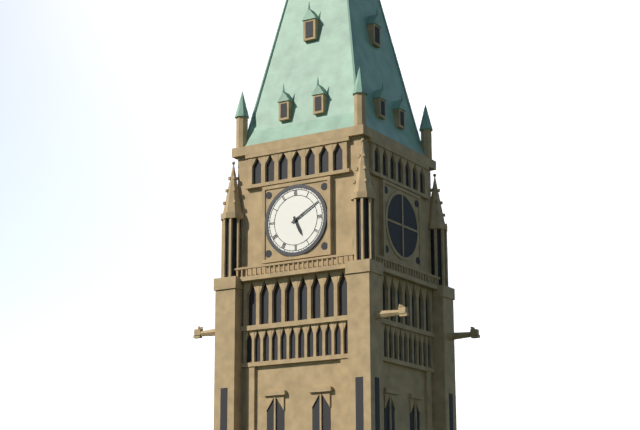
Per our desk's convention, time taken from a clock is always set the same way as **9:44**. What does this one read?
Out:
**5:10**
